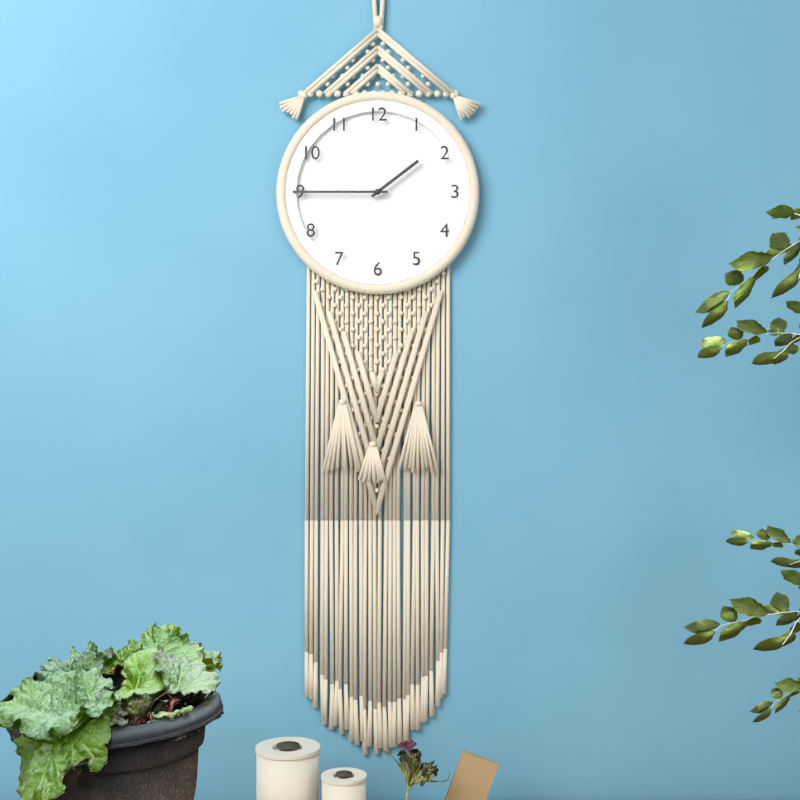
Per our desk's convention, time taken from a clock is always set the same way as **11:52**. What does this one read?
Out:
**1:45**
